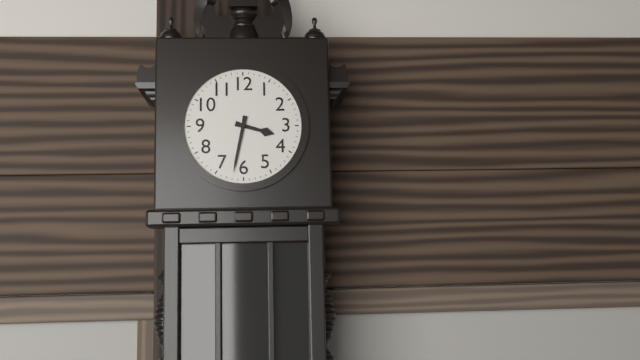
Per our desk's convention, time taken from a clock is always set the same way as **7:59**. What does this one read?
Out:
**3:32**
